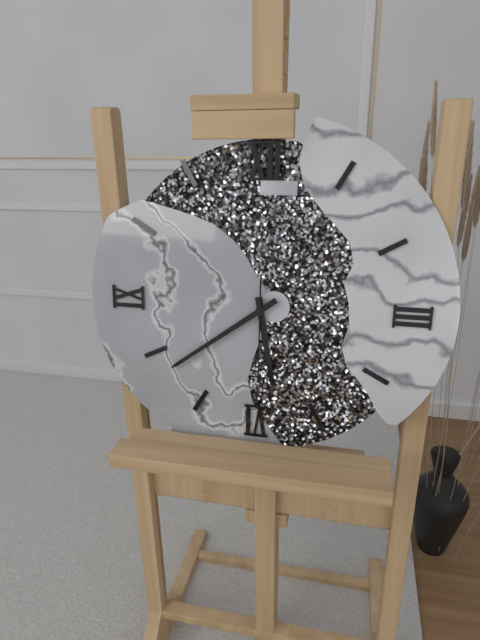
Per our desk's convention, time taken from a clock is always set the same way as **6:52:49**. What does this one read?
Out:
**5:39:30**
